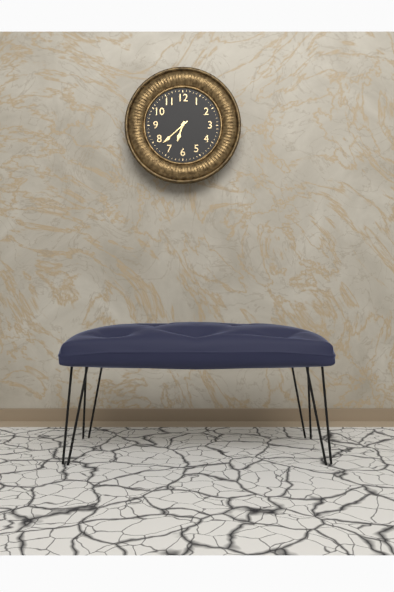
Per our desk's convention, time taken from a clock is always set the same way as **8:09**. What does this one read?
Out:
**6:38**
